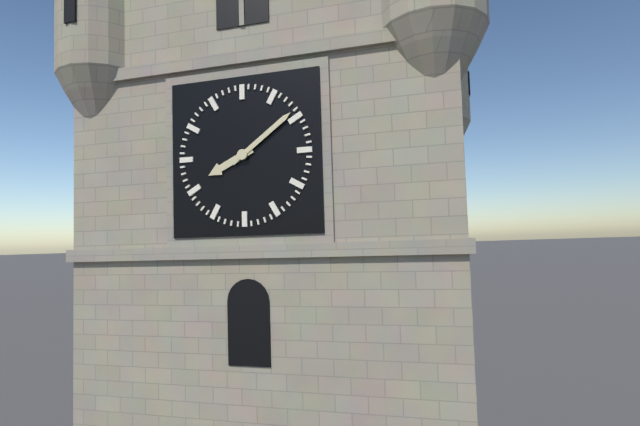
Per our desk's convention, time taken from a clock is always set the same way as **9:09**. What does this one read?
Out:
**8:09**
